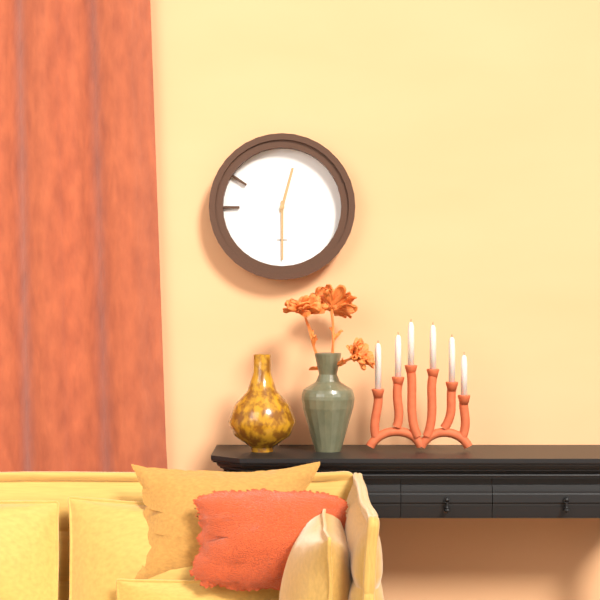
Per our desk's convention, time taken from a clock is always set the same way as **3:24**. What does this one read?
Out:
**12:30**
